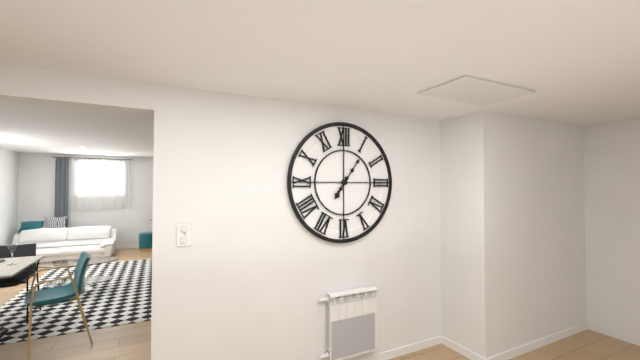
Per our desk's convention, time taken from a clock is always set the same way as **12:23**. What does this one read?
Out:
**7:06**
